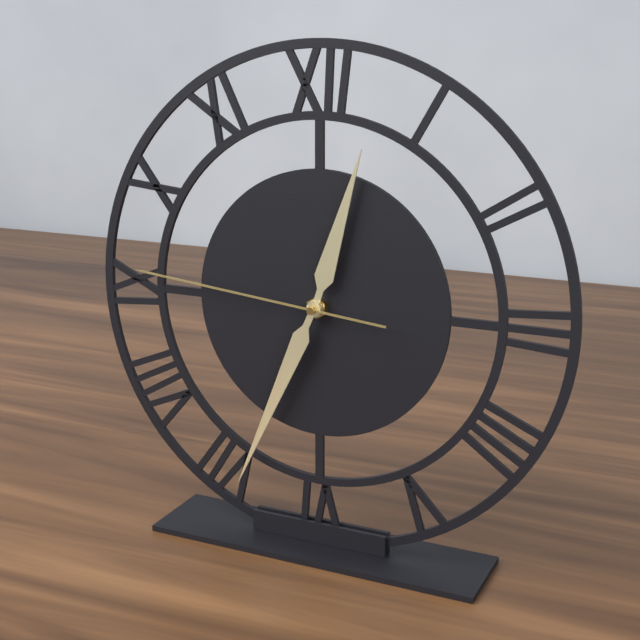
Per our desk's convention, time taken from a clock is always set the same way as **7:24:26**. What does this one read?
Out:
**12:34:46**
